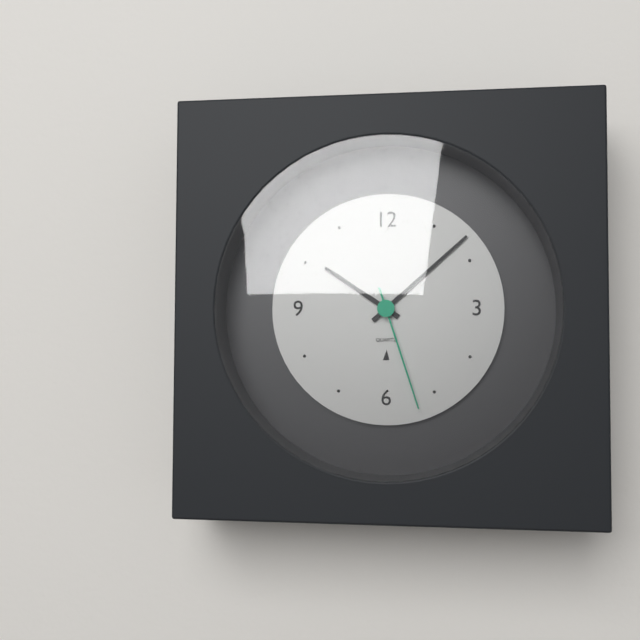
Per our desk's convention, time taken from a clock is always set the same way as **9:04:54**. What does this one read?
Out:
**10:08:27**
